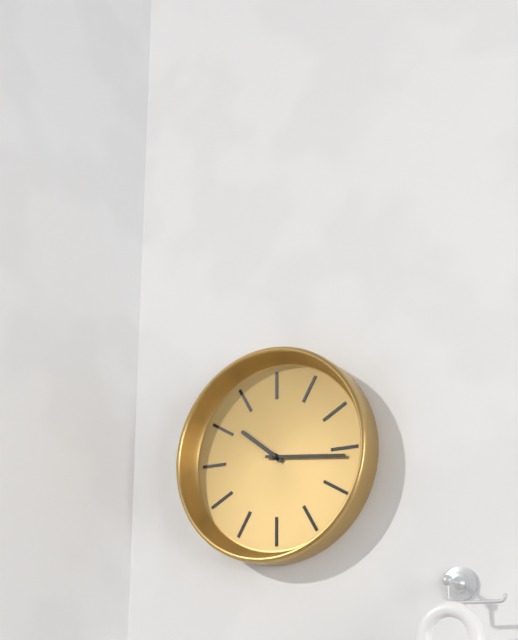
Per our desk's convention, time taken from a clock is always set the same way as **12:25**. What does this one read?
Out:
**10:16**
